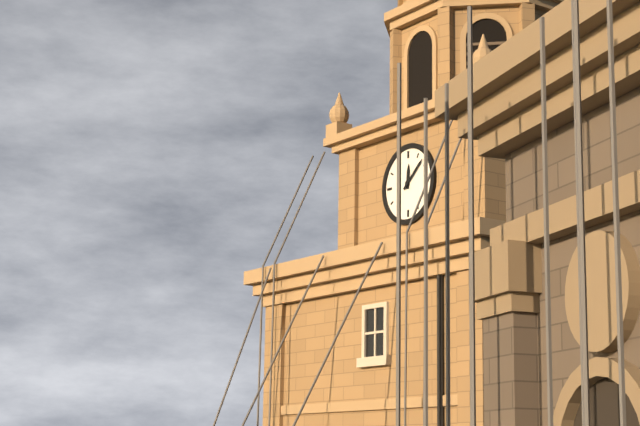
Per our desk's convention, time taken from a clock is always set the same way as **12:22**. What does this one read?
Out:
**12:08**
